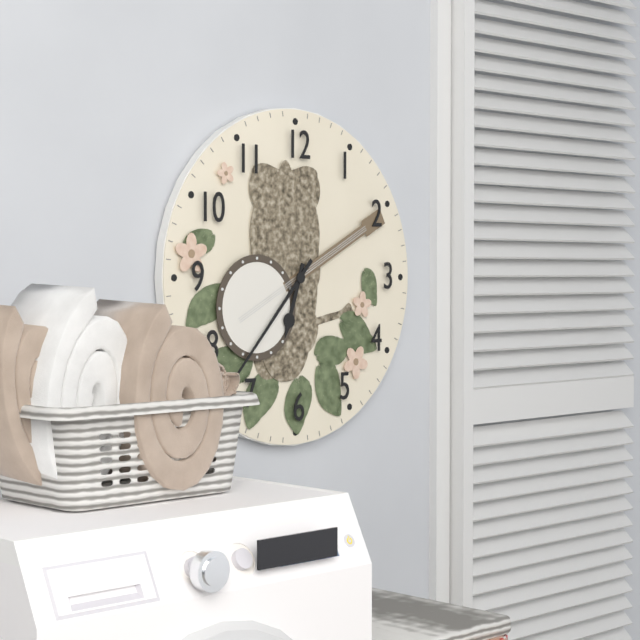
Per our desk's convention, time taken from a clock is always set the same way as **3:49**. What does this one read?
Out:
**6:37**
